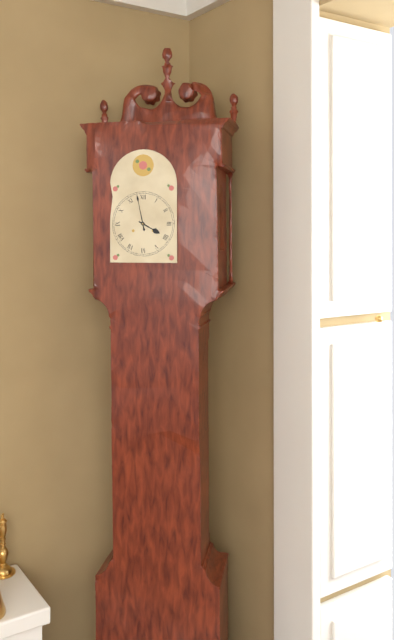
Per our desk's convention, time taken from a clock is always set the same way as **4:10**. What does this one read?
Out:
**3:58**
